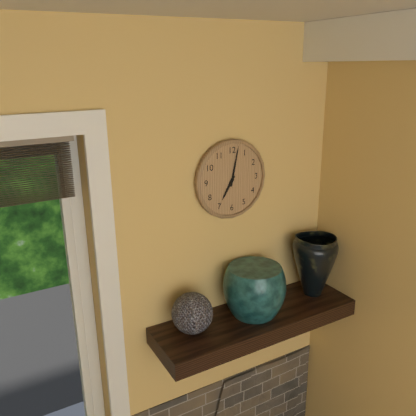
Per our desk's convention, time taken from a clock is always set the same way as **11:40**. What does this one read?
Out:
**7:02**
